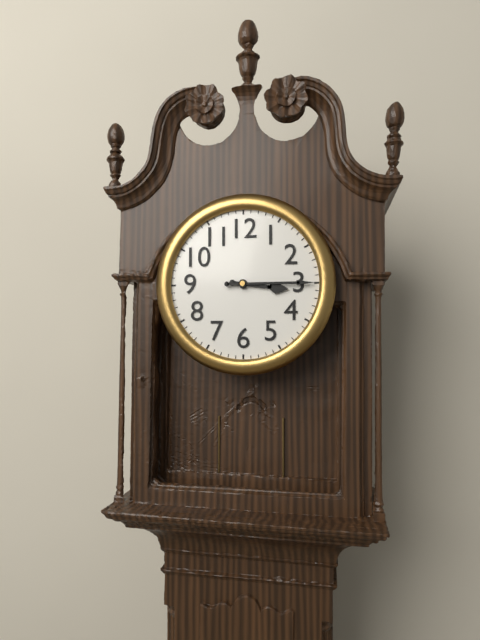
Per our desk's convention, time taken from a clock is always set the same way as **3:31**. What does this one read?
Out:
**3:15**
